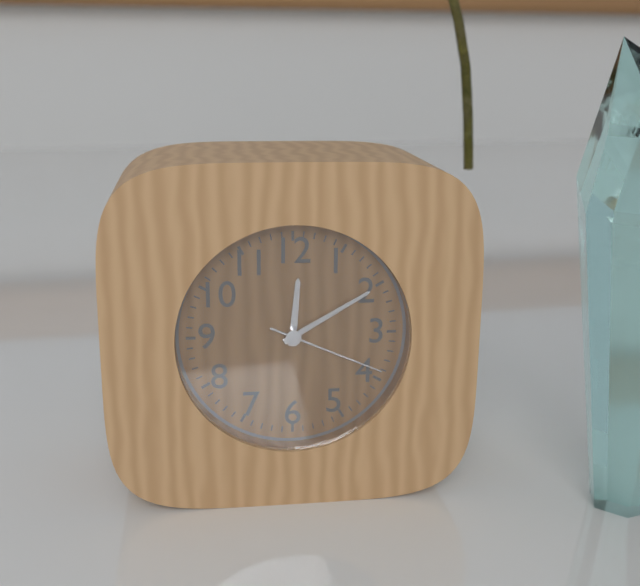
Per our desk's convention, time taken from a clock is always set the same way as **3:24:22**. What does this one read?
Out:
**12:10:19**
